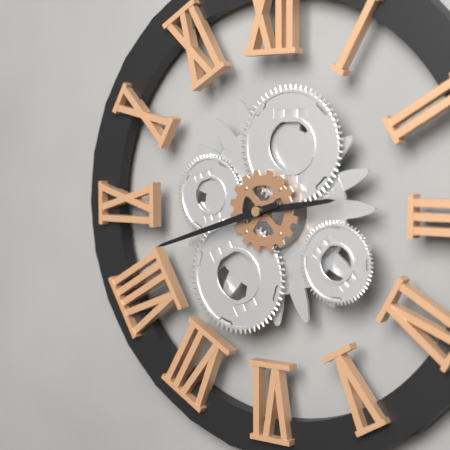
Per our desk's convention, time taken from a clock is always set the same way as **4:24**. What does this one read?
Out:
**2:42**
